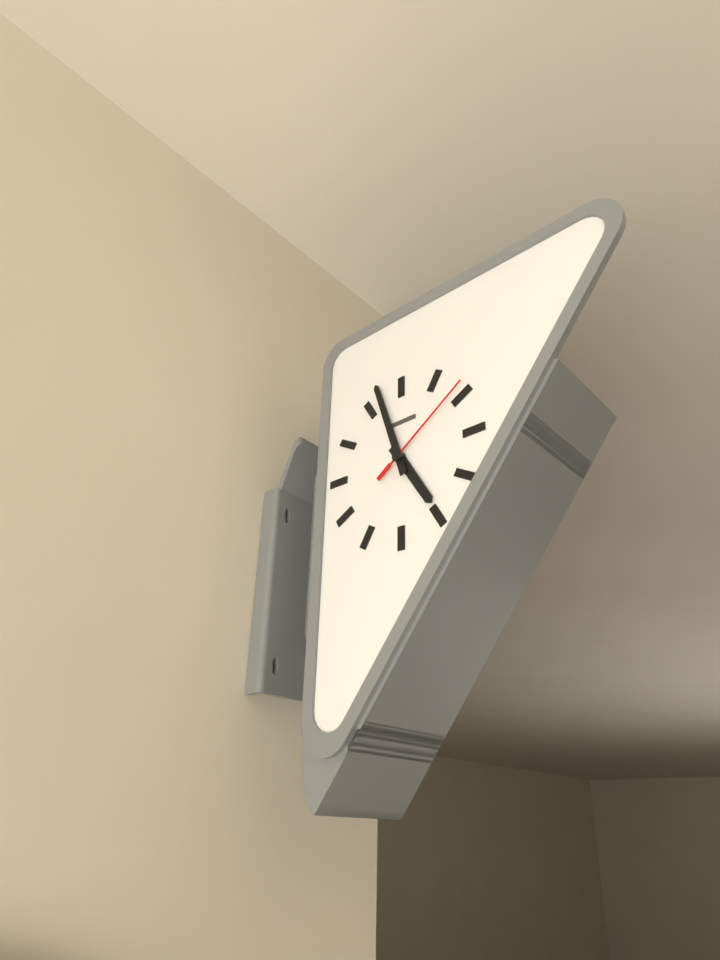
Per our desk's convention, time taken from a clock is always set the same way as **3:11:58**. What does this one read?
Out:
**4:57:09**
